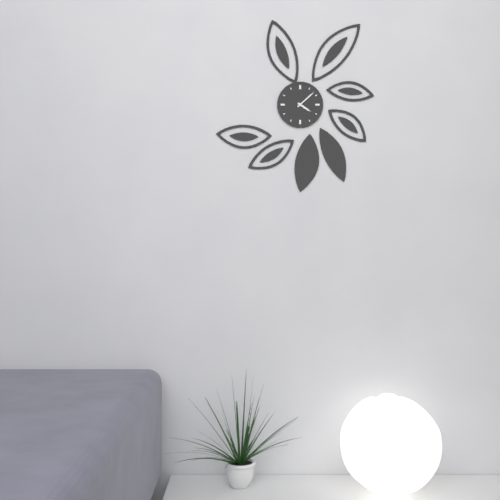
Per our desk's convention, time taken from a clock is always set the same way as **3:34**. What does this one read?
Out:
**4:08**
